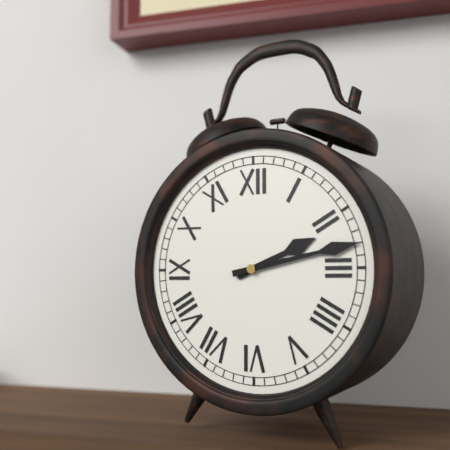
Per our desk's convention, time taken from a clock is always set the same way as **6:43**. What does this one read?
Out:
**2:13**
